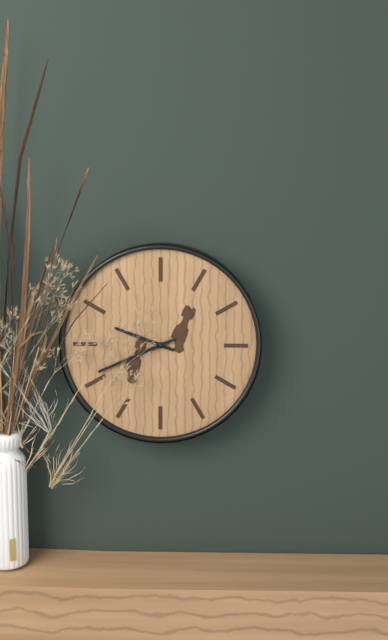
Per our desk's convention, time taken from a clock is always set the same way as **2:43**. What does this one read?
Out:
**9:41**
